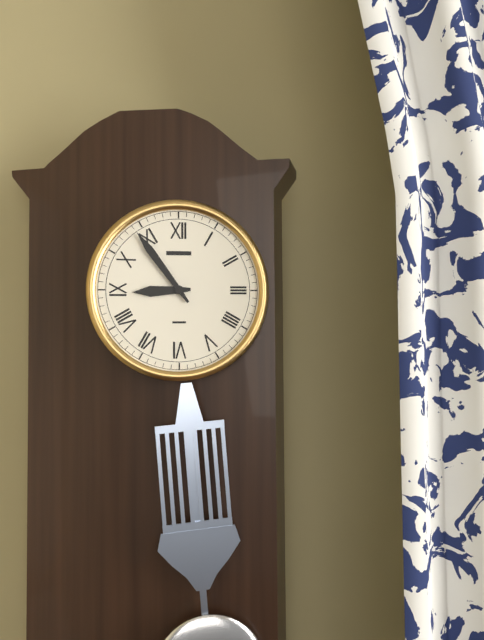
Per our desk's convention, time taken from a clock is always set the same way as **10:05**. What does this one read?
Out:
**8:54**
